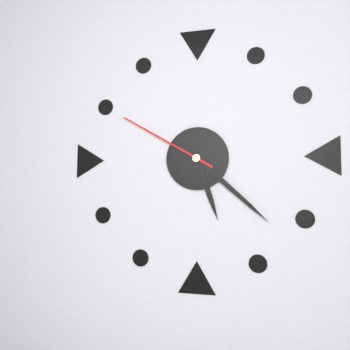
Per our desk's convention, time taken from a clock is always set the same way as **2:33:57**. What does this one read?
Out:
**5:22:50**
